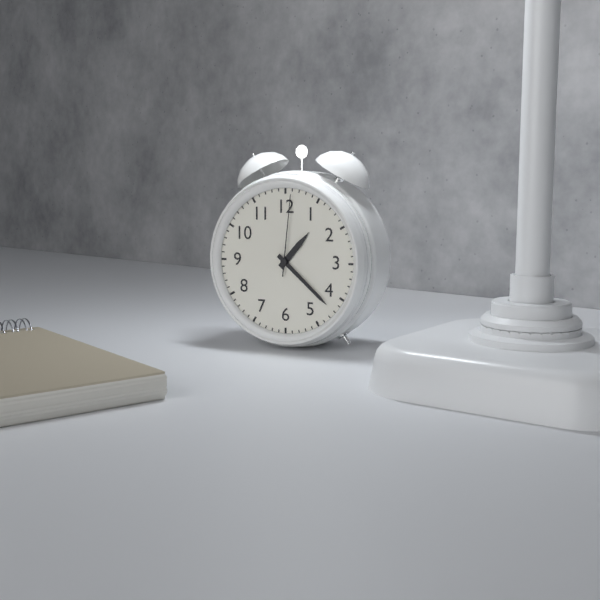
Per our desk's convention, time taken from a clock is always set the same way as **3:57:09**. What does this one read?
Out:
**1:22:01**
